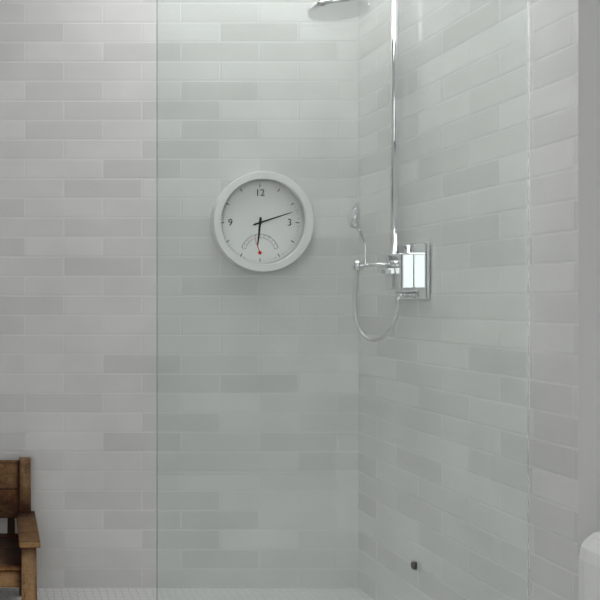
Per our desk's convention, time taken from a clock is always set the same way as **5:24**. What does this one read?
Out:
**6:12**
